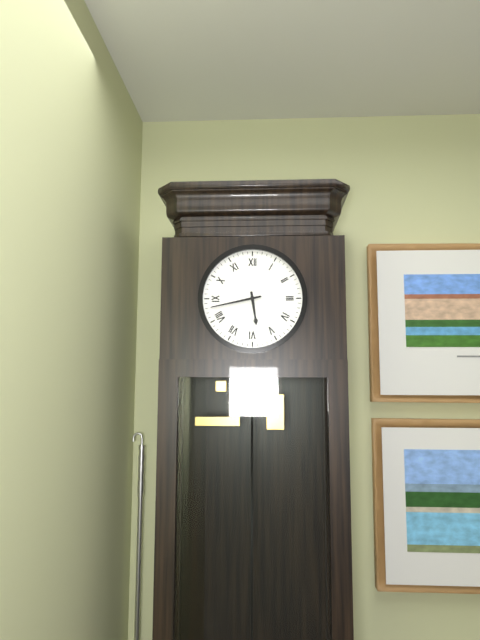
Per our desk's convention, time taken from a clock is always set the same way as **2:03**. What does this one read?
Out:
**5:43**
